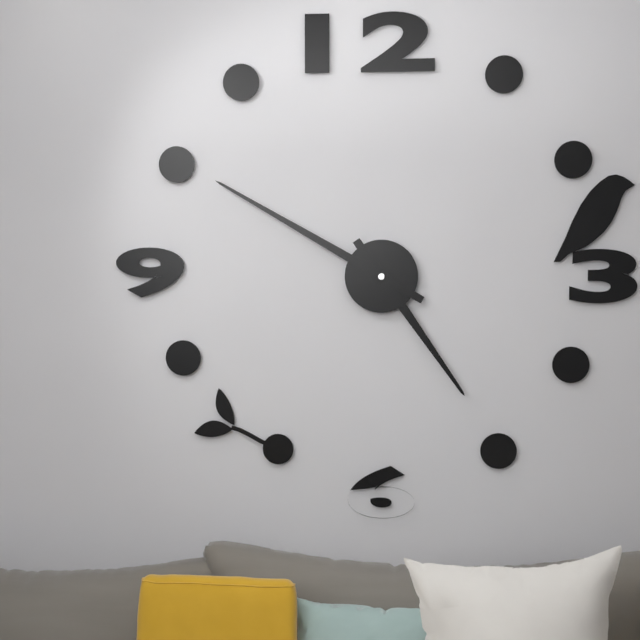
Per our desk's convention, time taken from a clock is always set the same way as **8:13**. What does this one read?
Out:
**4:50**
